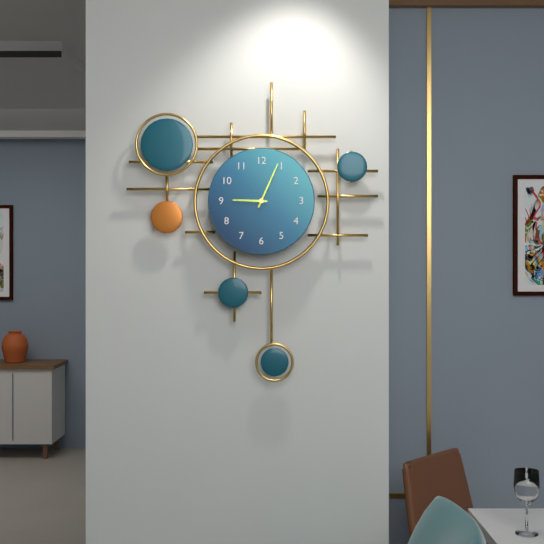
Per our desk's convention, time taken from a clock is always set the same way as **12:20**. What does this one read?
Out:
**9:04**
